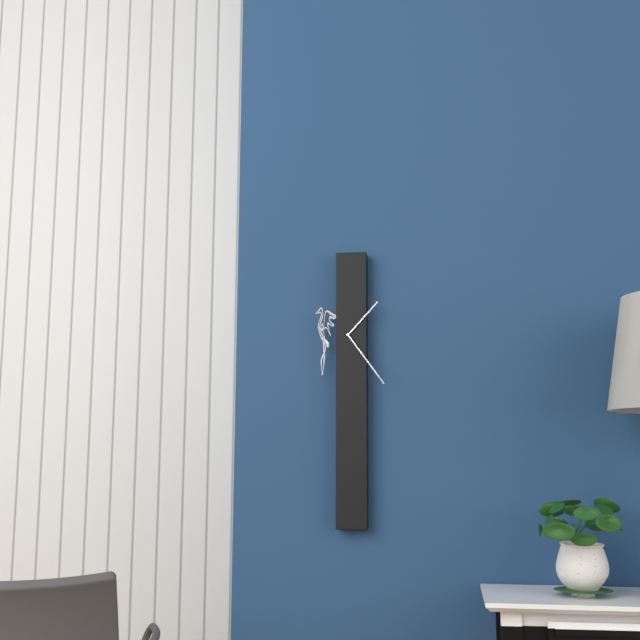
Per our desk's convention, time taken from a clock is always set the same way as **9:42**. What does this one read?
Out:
**1:24**
